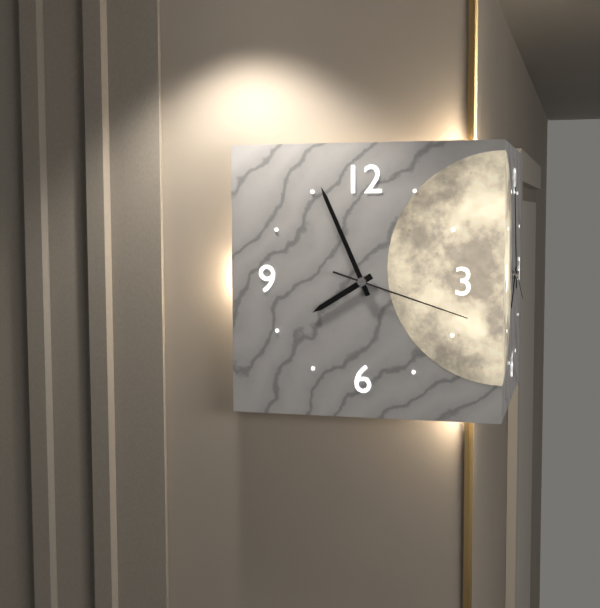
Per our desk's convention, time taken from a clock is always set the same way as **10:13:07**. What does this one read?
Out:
**7:56:18**
